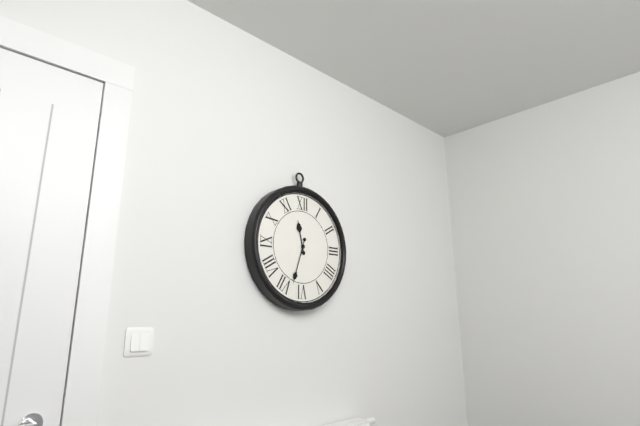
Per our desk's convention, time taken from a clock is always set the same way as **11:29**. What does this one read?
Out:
**11:33**
